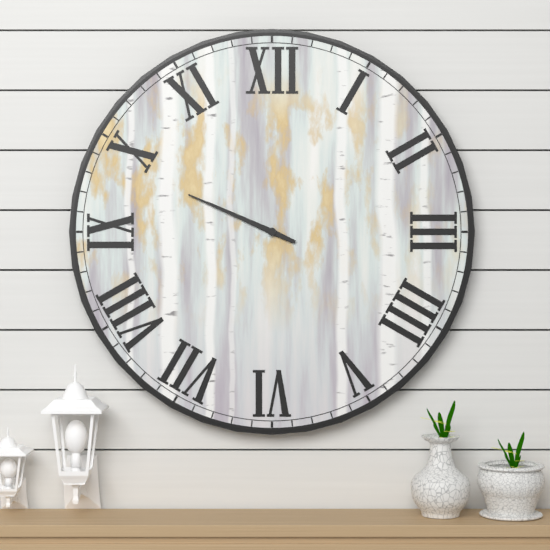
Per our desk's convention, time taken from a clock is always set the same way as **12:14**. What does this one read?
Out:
**9:49**
